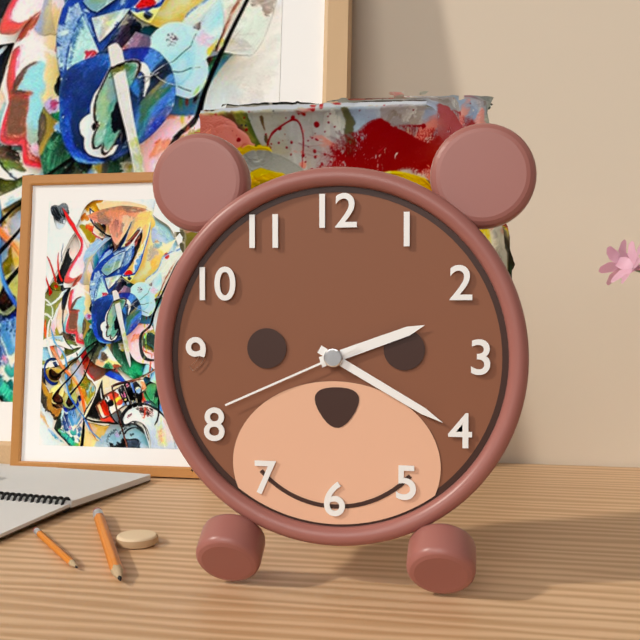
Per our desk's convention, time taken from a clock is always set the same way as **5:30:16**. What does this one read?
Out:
**2:20:41**
